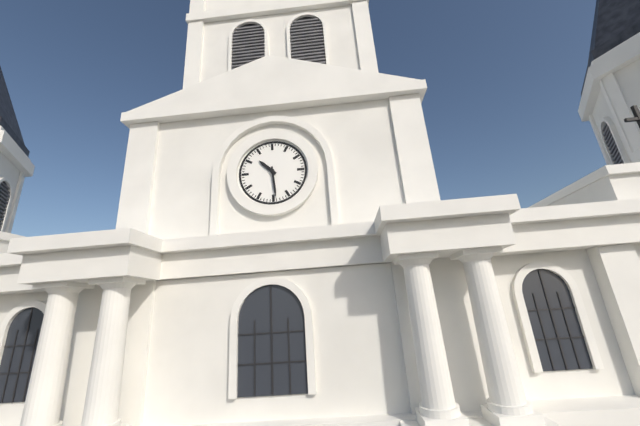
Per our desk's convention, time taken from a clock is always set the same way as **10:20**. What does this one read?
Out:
**10:29**
